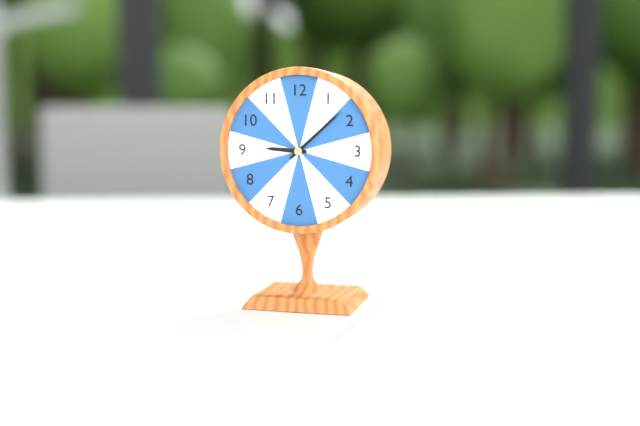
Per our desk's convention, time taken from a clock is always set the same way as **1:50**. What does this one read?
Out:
**9:08**
